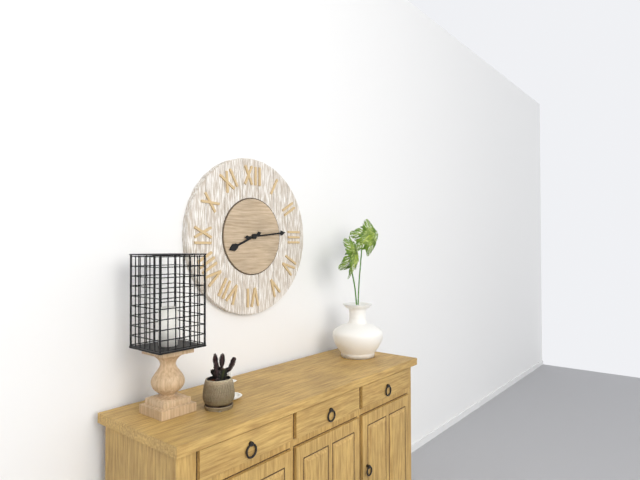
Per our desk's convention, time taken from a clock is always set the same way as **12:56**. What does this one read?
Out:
**8:14**
